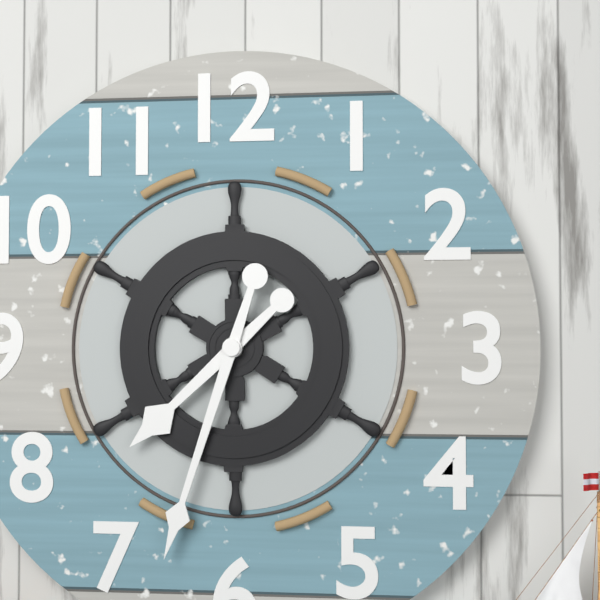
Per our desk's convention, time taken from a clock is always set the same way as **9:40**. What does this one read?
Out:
**7:33**
